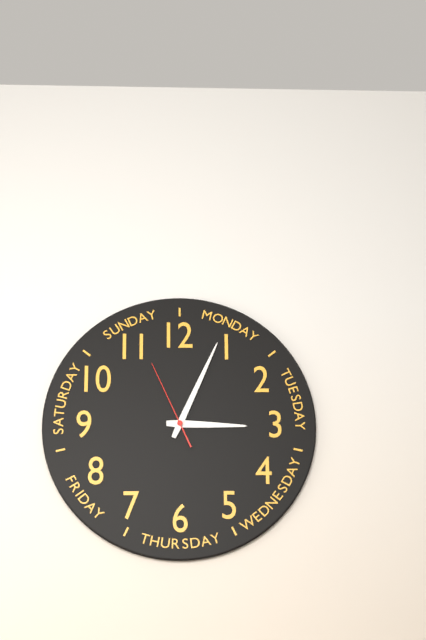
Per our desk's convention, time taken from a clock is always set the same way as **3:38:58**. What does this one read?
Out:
**3:04:56**
